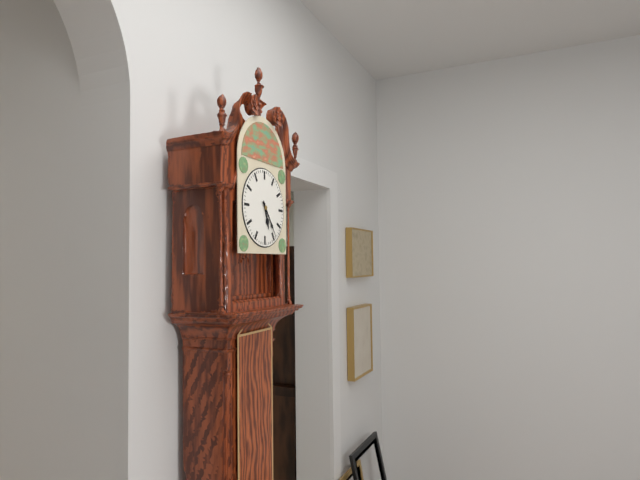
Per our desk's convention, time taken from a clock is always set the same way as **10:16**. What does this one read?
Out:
**5:24**
